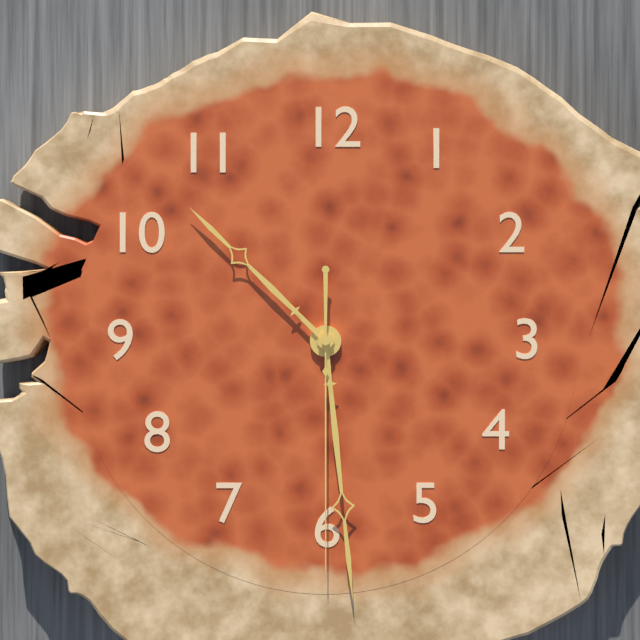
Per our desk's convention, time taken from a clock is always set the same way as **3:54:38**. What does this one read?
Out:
**10:29:30**
